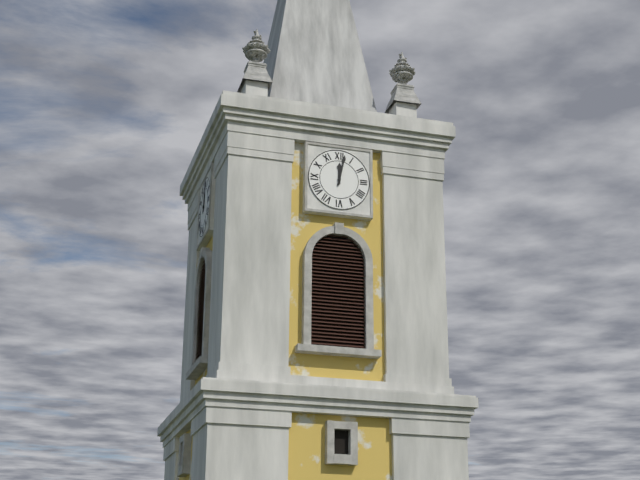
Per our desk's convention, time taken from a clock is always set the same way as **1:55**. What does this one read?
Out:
**12:02**
